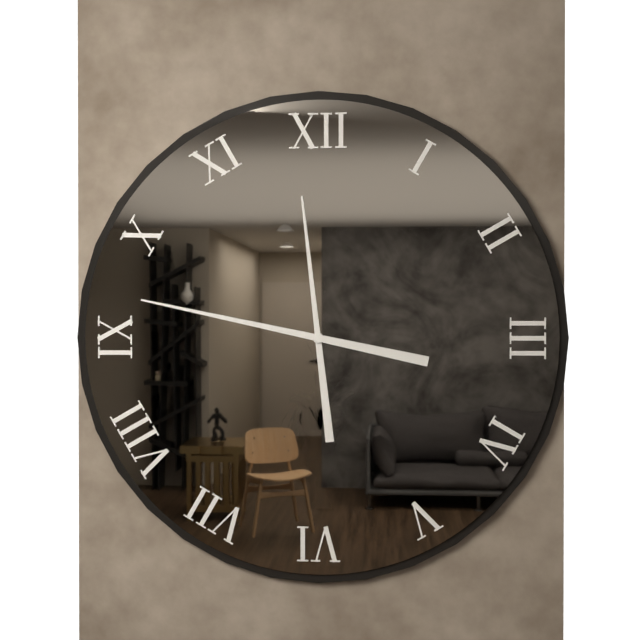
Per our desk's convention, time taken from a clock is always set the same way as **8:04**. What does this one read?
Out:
**11:47**
